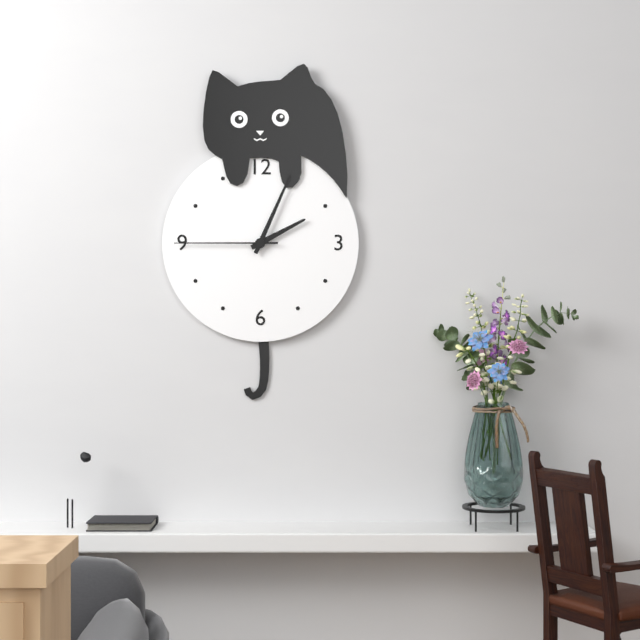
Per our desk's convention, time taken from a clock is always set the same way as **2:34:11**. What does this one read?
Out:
**2:04:45**
